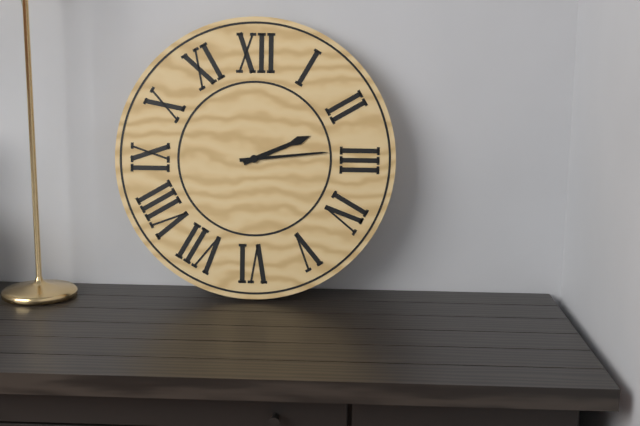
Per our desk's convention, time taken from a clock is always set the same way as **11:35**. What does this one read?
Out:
**2:14**
